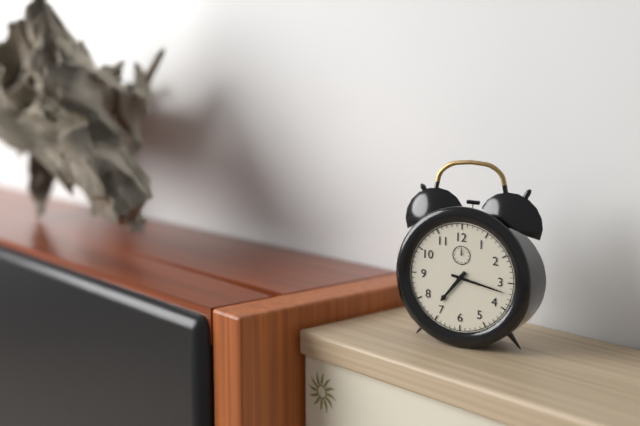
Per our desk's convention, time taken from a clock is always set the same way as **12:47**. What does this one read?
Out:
**7:17**
